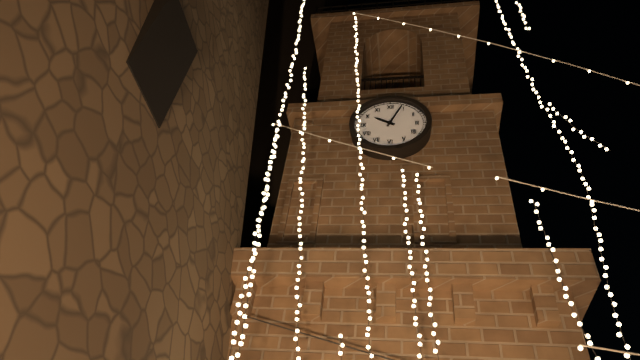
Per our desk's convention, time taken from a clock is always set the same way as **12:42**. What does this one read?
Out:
**10:04**
